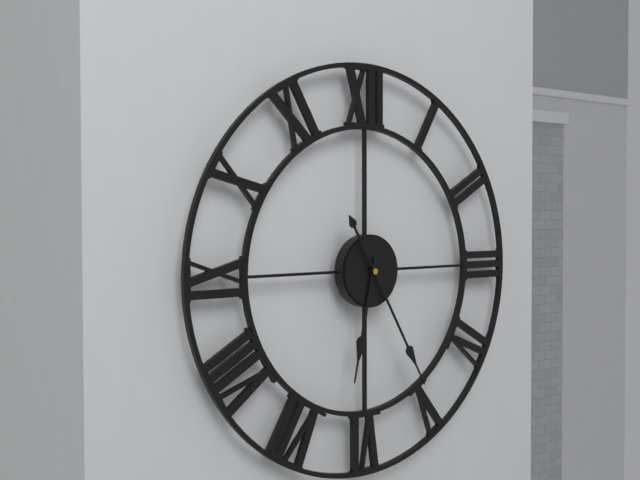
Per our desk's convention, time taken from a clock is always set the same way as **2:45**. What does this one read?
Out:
**6:25**
